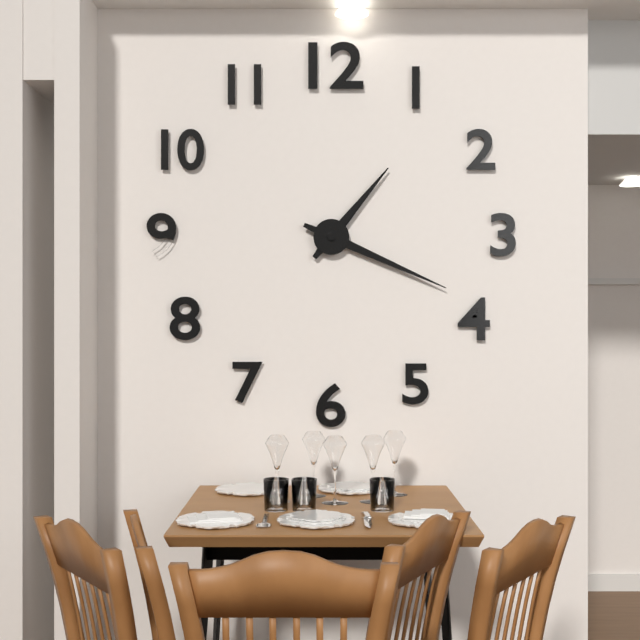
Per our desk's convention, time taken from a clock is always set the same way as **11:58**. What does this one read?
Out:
**1:19**
